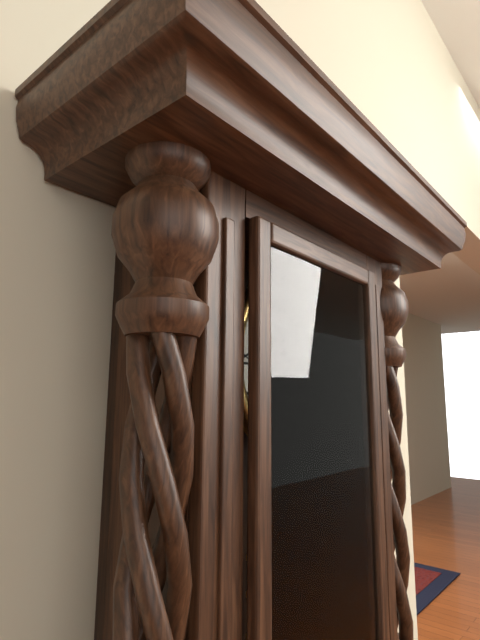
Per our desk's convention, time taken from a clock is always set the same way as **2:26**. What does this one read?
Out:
**3:52**
